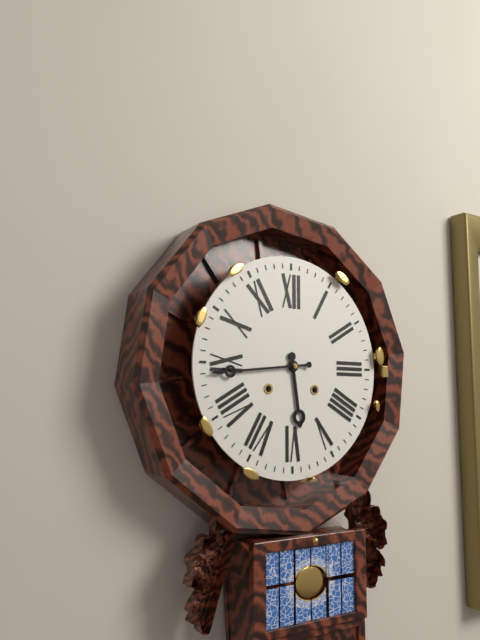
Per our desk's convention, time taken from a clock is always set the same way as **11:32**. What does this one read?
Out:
**5:44**
